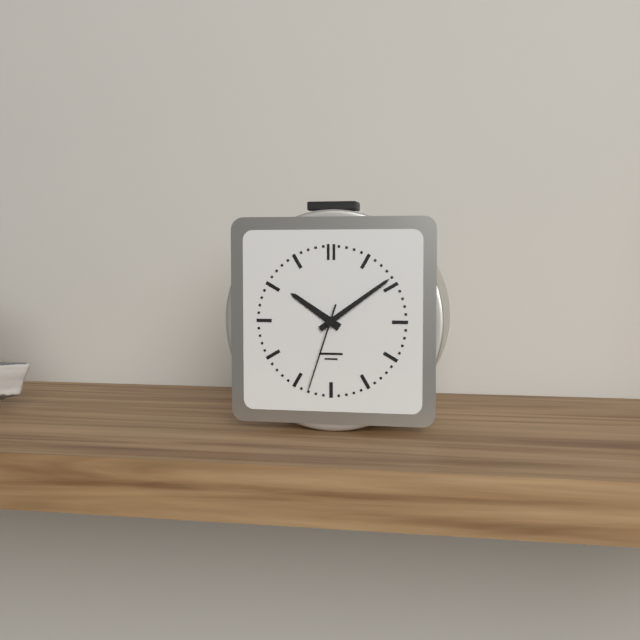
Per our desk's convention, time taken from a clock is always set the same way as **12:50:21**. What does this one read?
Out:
**10:09:33**
